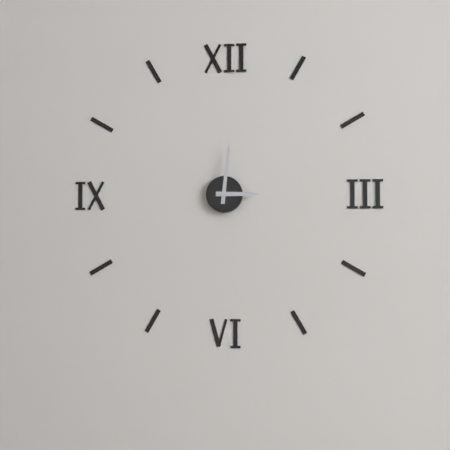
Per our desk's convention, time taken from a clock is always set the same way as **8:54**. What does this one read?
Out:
**3:01**
